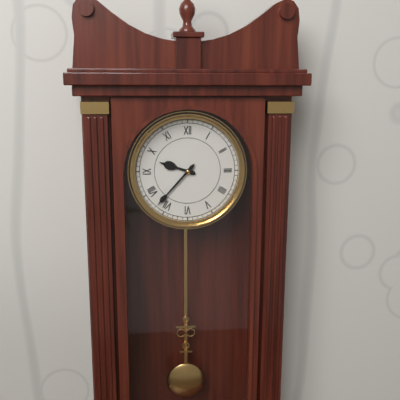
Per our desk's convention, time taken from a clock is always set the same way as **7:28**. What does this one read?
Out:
**9:37**
